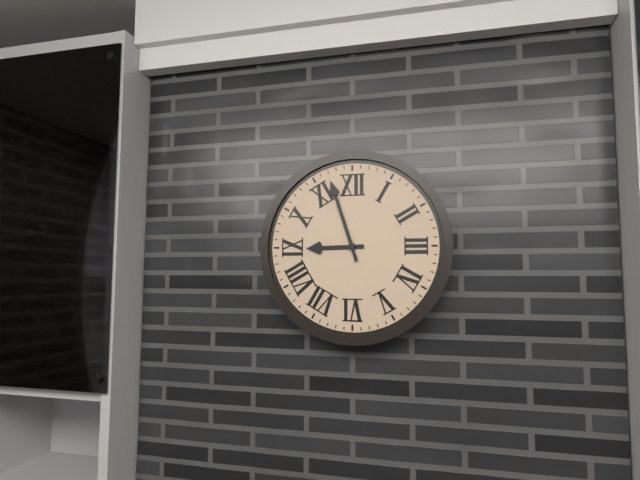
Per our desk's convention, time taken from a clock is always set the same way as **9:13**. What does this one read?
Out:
**8:57**
